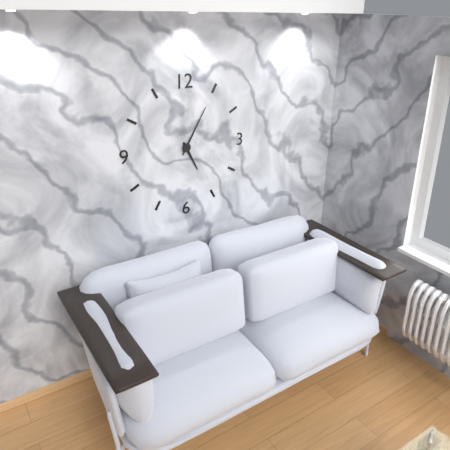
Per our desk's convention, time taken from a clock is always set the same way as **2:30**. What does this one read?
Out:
**5:05**
